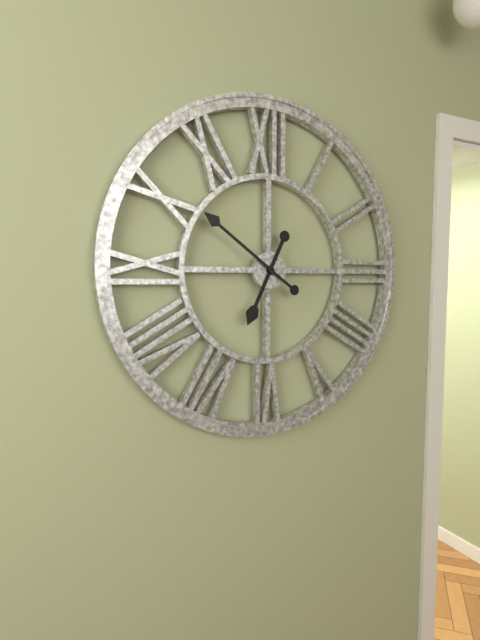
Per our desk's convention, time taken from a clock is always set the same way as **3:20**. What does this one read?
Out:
**6:51**
